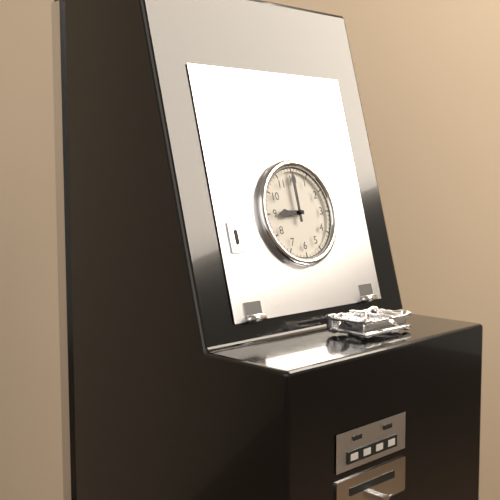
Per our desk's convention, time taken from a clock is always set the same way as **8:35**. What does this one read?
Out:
**9:00**
